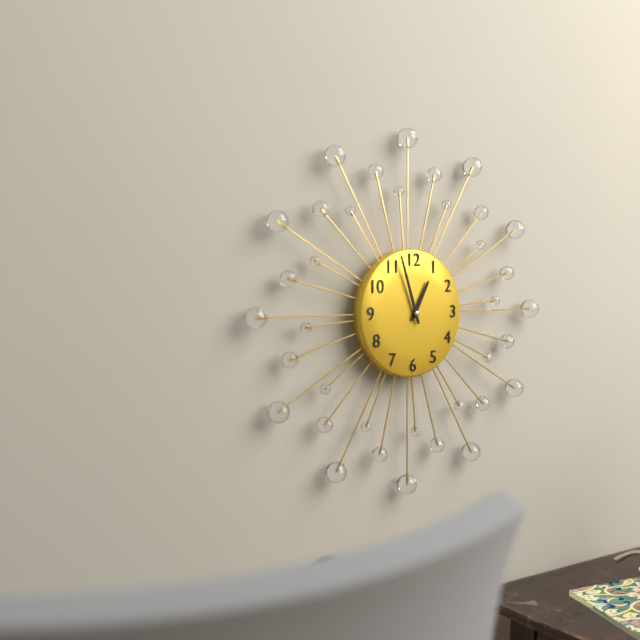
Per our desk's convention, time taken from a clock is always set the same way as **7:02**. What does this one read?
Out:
**12:57**
